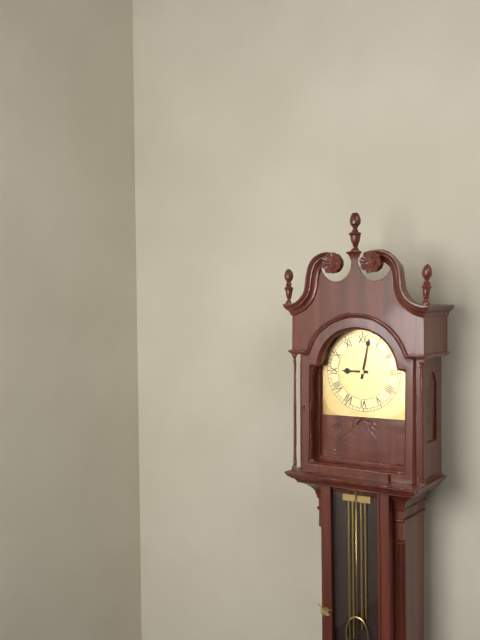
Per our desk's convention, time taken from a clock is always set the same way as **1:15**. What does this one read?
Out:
**9:02**
